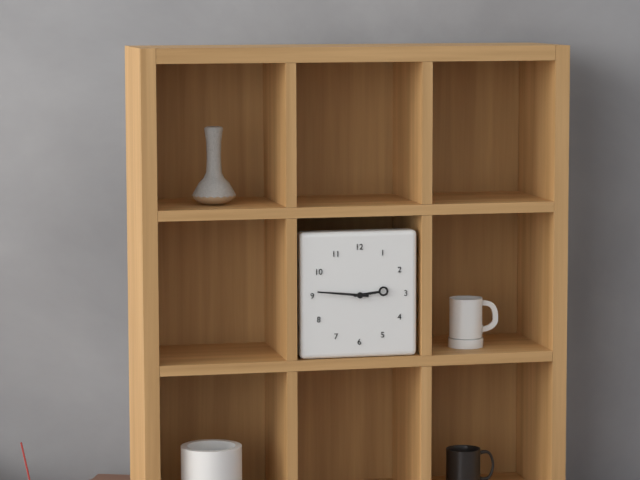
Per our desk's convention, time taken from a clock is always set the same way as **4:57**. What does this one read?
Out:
**2:46**
